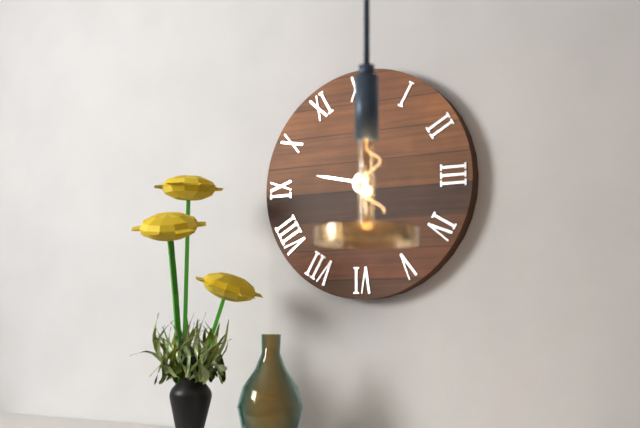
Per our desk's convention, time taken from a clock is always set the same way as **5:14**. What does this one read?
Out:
**5:47**
